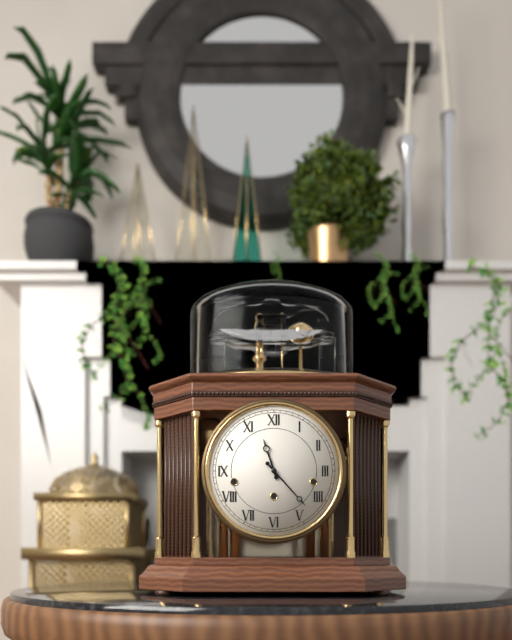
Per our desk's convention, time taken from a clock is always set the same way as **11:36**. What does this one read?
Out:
**11:23**
